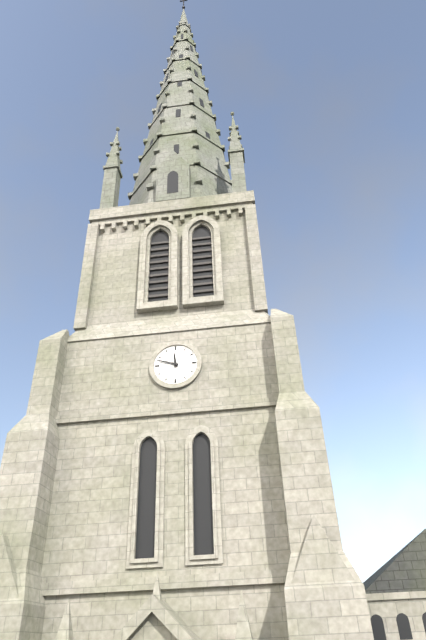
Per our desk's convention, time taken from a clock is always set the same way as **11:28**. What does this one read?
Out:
**11:48**
